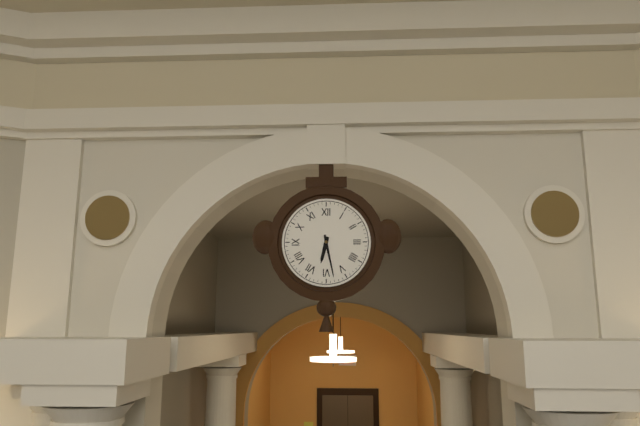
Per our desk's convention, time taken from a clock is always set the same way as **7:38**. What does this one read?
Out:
**6:28**
